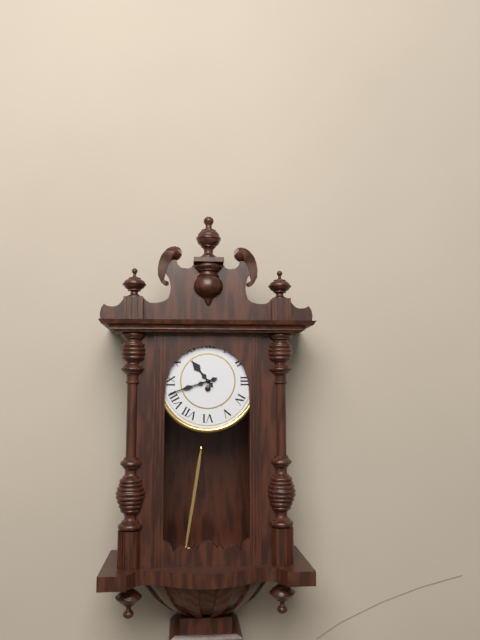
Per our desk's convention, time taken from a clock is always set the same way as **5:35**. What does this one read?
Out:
**10:42**
